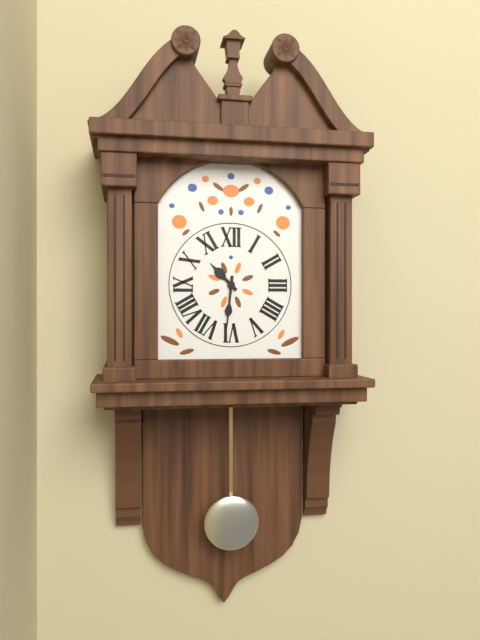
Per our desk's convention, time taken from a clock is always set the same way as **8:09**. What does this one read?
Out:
**10:31**
